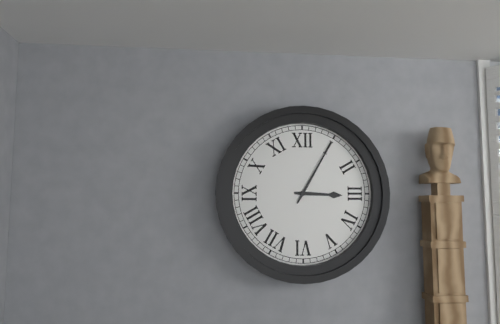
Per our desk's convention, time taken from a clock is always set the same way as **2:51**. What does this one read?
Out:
**3:05**
